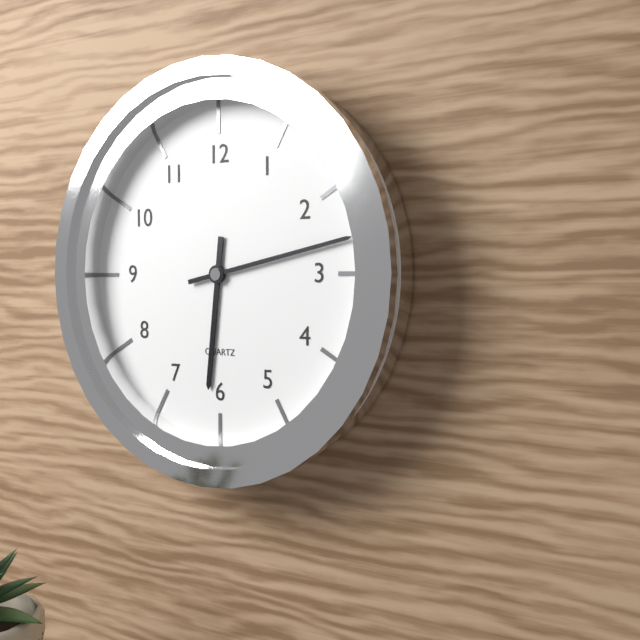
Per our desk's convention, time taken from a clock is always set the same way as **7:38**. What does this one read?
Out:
**6:13**
